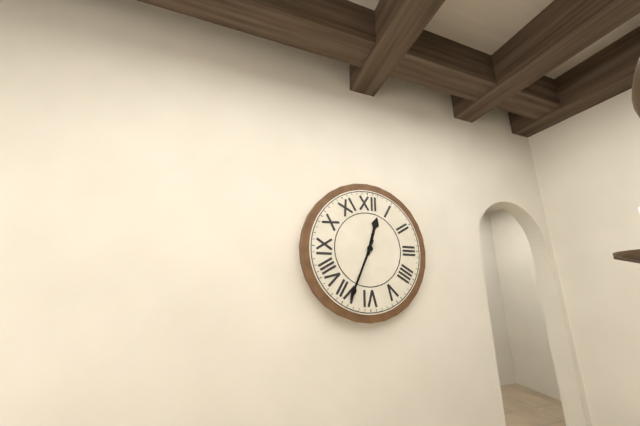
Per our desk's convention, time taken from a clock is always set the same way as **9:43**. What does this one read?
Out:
**12:34**
